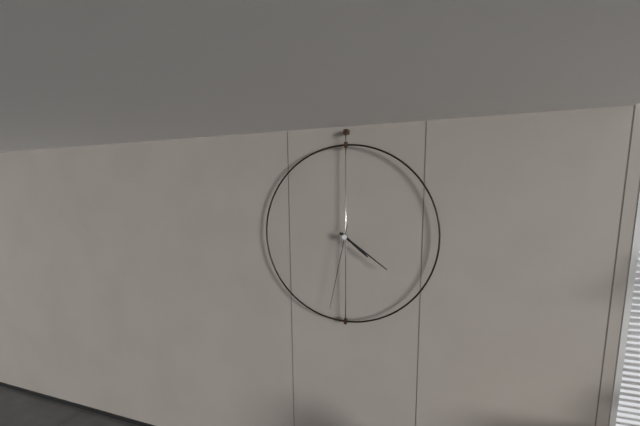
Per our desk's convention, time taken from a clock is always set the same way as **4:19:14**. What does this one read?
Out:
**4:21:32**
